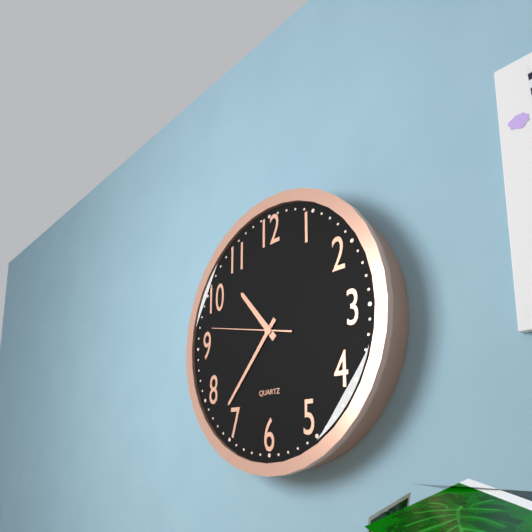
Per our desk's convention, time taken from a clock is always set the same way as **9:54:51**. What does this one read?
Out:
**10:37:47**
